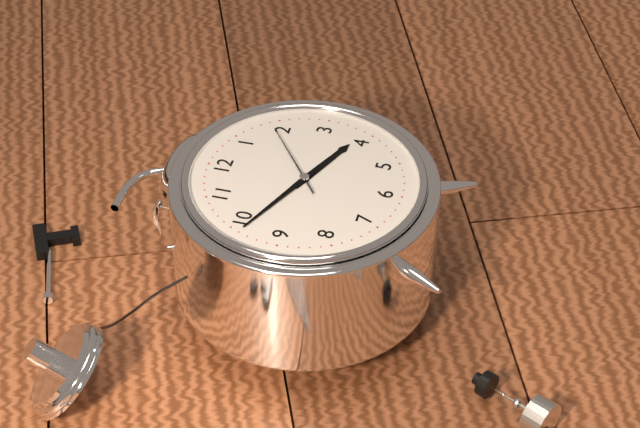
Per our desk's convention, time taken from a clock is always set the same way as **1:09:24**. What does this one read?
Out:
**3:49:09**
